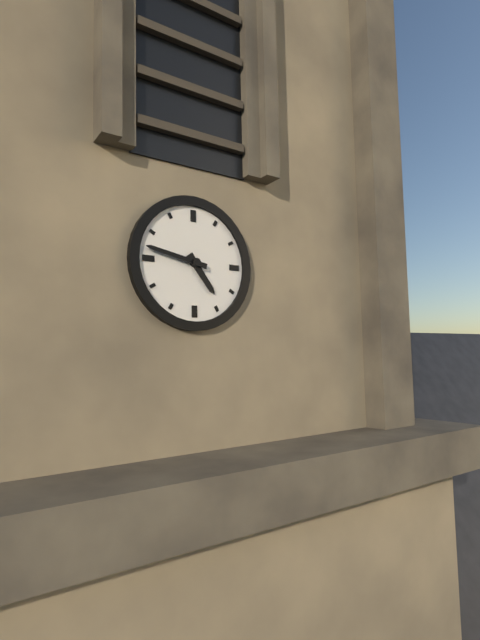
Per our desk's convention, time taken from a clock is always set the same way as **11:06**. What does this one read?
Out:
**4:47**
